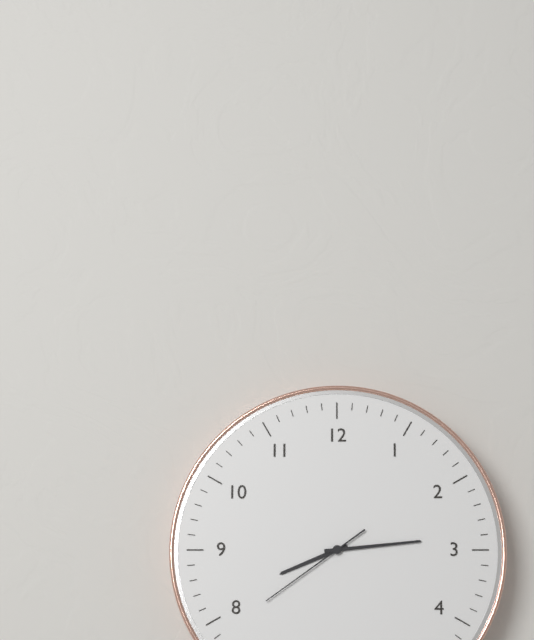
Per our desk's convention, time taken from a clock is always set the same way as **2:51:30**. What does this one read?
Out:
**8:14:39**
